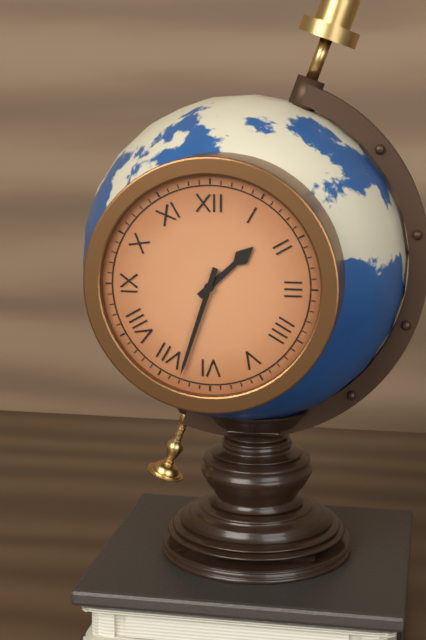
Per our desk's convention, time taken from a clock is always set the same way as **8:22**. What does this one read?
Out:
**1:33**
